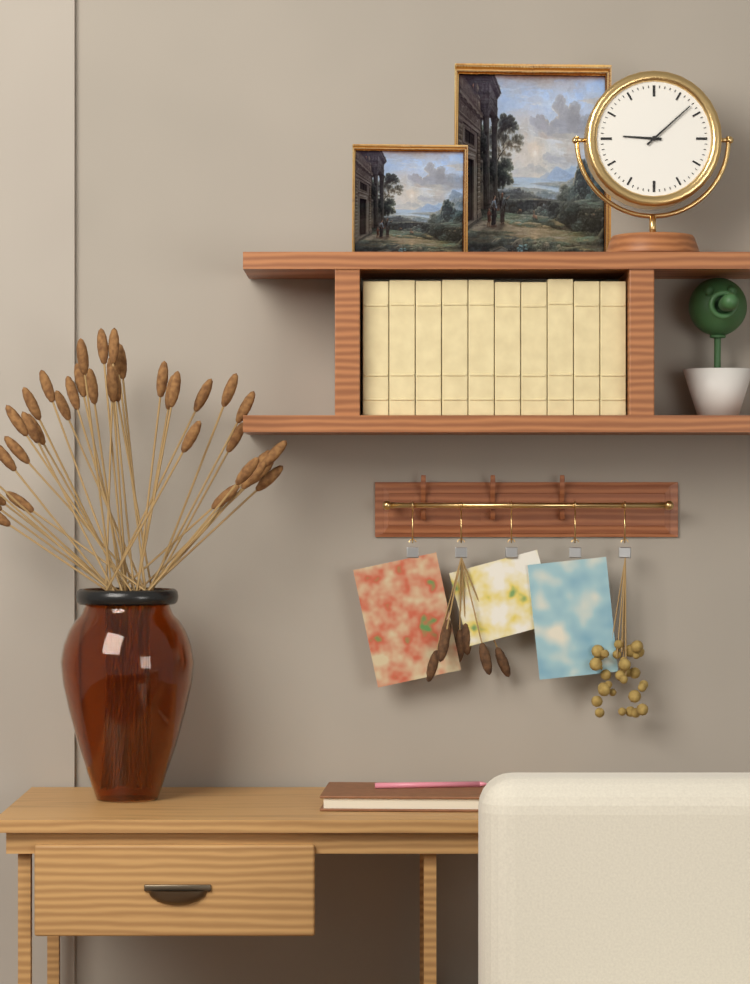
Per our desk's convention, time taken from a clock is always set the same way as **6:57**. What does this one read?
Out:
**9:08**
